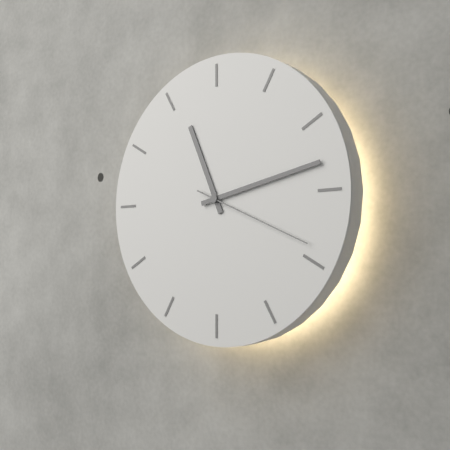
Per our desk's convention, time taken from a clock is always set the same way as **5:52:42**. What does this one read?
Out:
**11:13:19**
